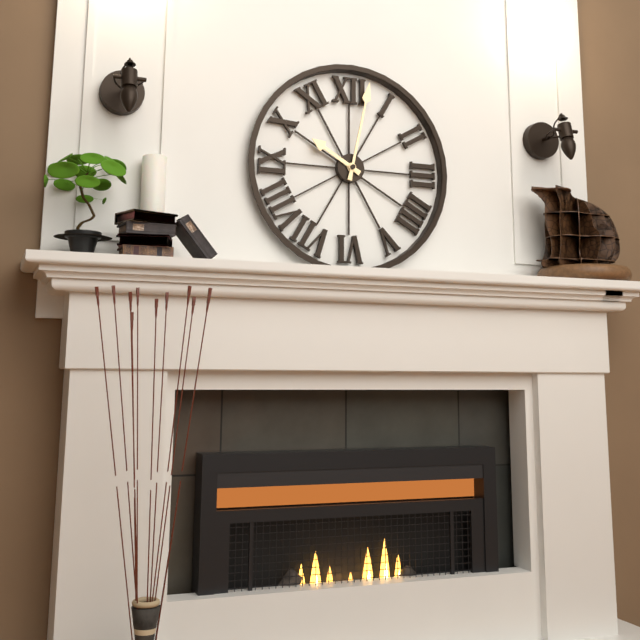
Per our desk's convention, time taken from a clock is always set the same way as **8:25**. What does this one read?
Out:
**10:02**
